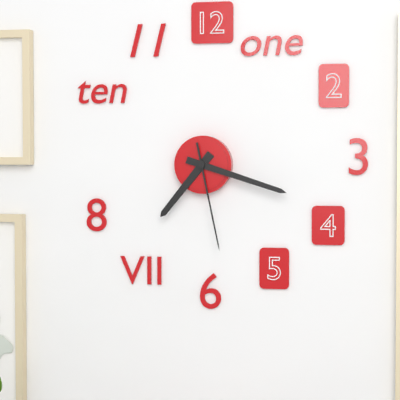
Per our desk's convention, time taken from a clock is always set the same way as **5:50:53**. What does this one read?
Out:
**7:18:28**
